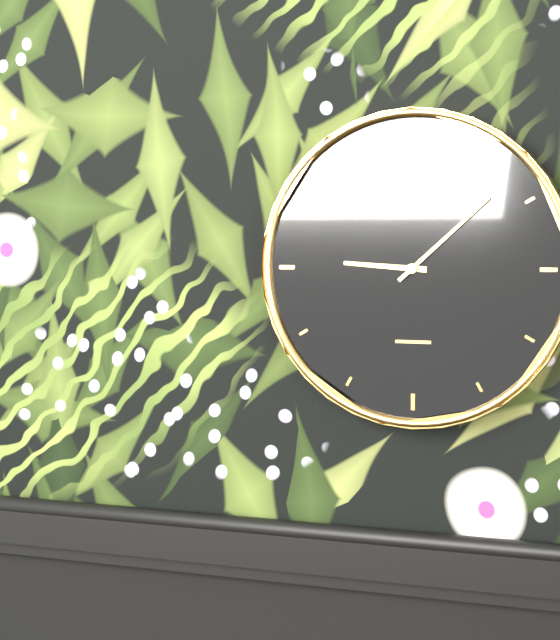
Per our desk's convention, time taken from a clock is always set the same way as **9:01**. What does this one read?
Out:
**9:08**
